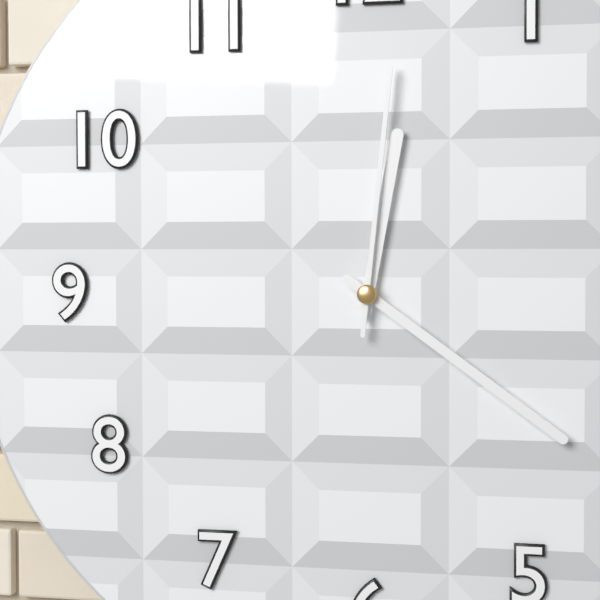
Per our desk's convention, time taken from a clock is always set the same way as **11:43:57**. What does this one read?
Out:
**12:21:01**
